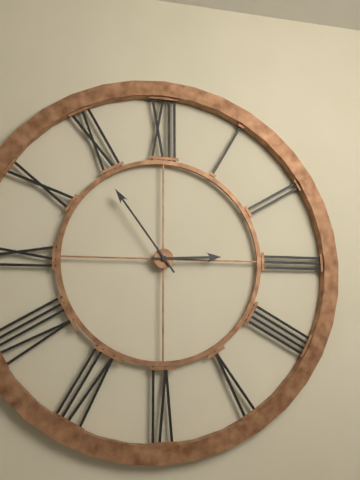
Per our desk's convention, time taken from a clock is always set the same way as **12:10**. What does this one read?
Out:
**2:54**
